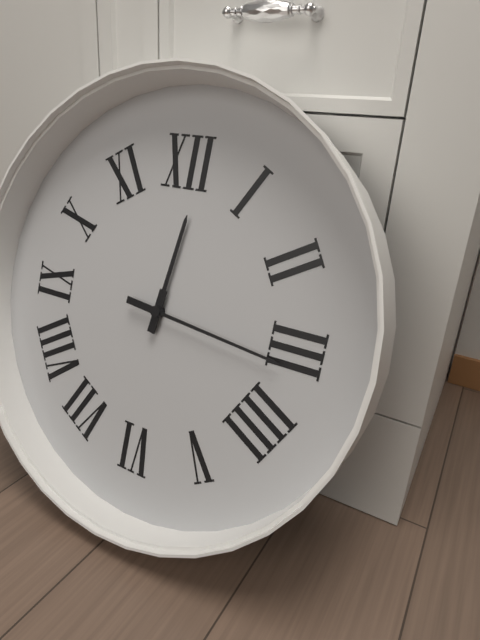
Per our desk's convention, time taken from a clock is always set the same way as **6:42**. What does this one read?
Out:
**12:16**
